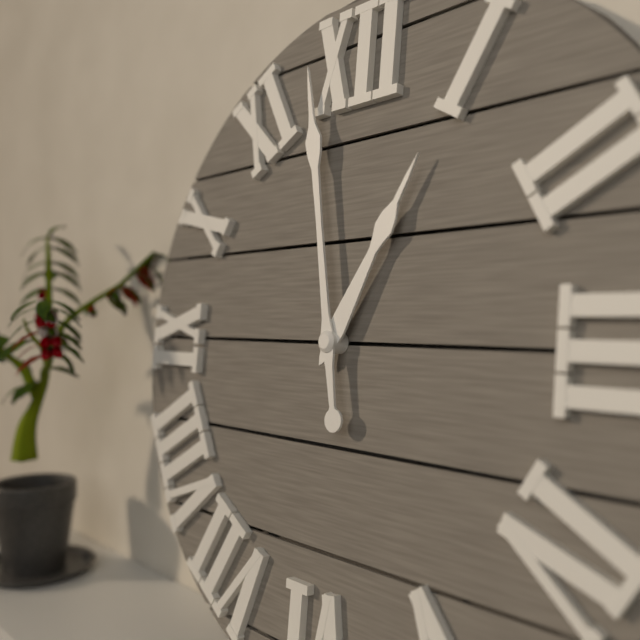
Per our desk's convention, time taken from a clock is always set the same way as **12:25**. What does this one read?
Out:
**12:58**
